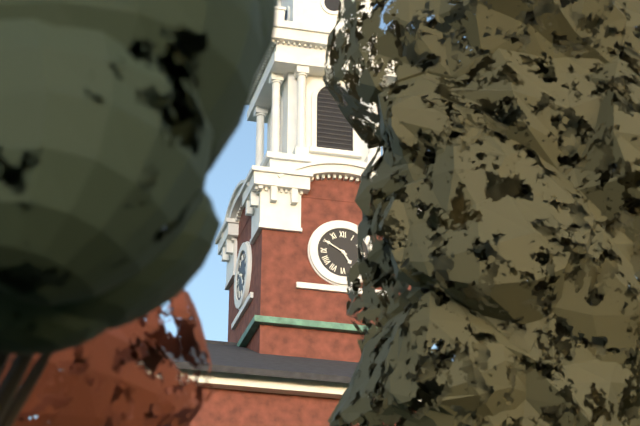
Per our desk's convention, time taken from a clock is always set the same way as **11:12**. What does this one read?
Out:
**4:50**
